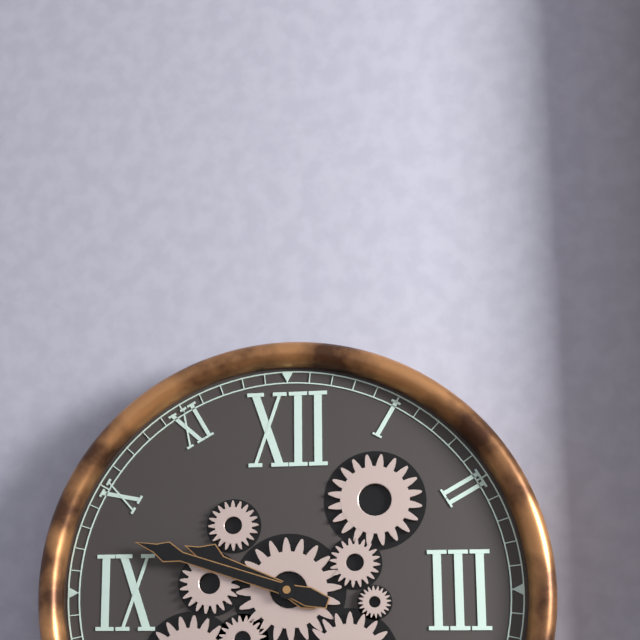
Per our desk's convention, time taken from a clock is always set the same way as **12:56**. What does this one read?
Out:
**9:48**
